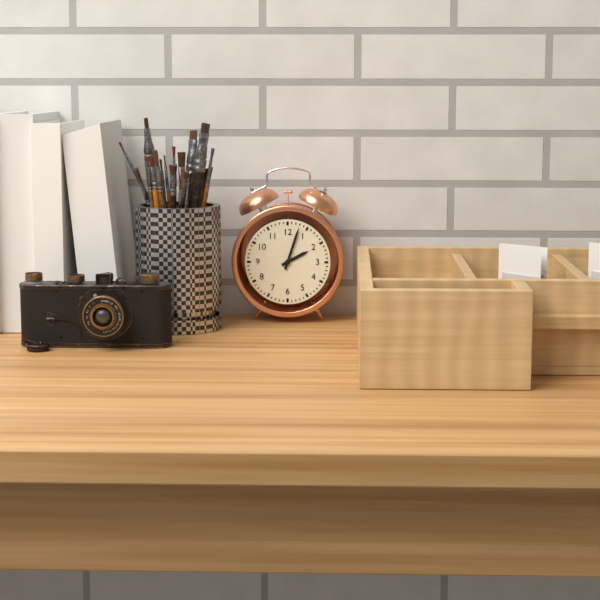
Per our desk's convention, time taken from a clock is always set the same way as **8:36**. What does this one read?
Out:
**2:03**
